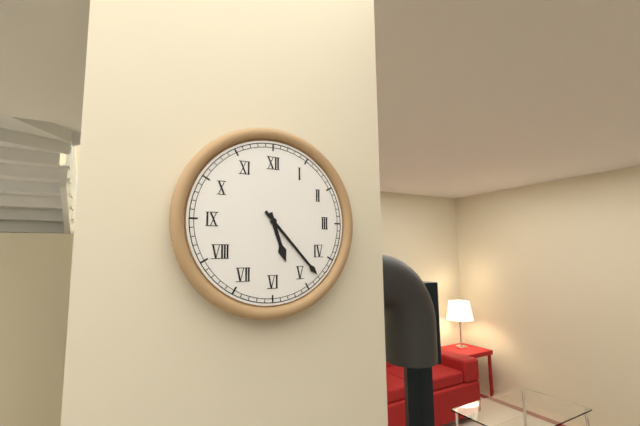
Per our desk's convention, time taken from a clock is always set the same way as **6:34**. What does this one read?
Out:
**5:23**
